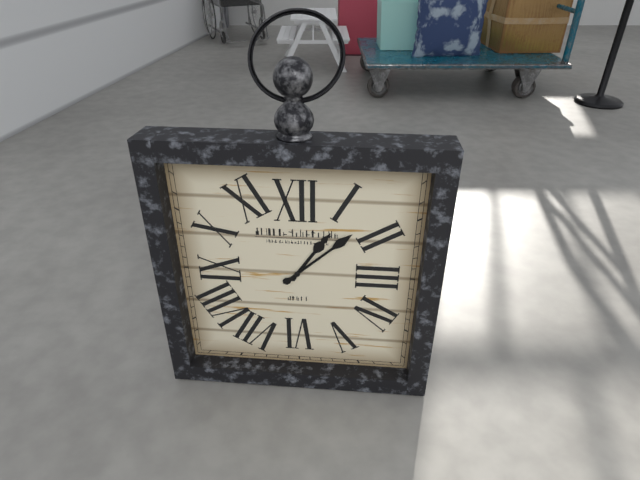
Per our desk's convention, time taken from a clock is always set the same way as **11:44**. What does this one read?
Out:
**1:08**
